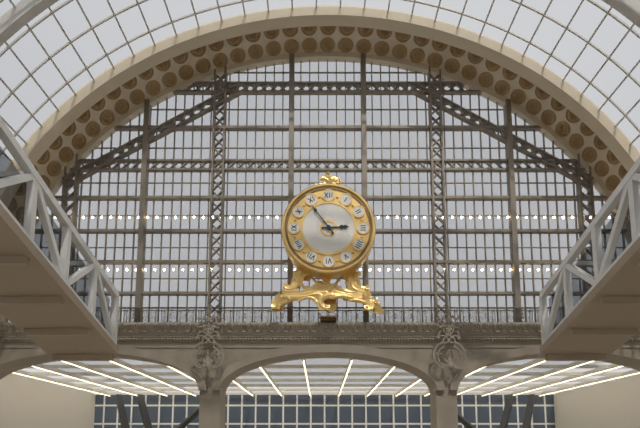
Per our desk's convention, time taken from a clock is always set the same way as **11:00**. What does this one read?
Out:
**2:54**
